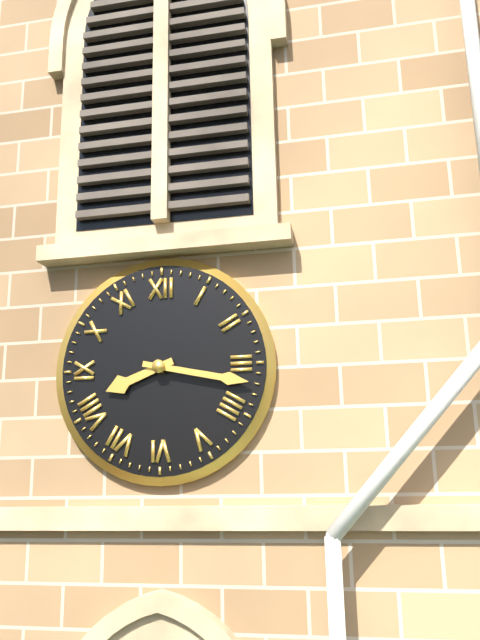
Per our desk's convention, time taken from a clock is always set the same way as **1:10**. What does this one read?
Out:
**8:17**
